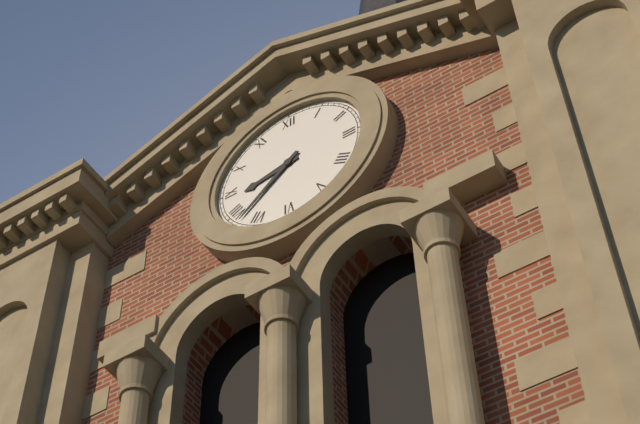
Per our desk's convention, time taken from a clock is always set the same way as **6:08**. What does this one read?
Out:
**8:38**
